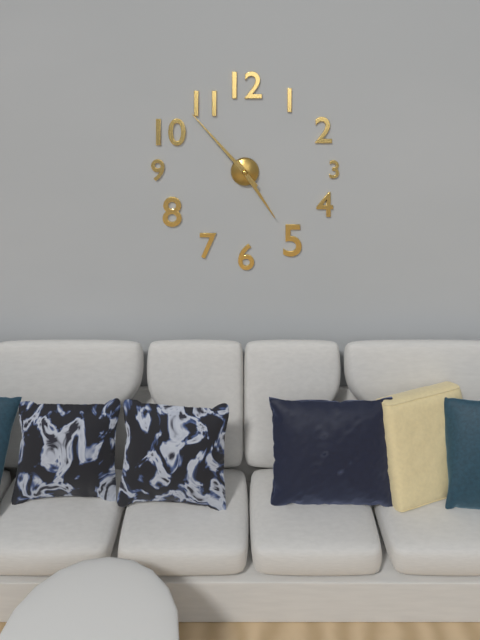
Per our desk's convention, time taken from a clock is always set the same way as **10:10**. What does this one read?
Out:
**4:53**
